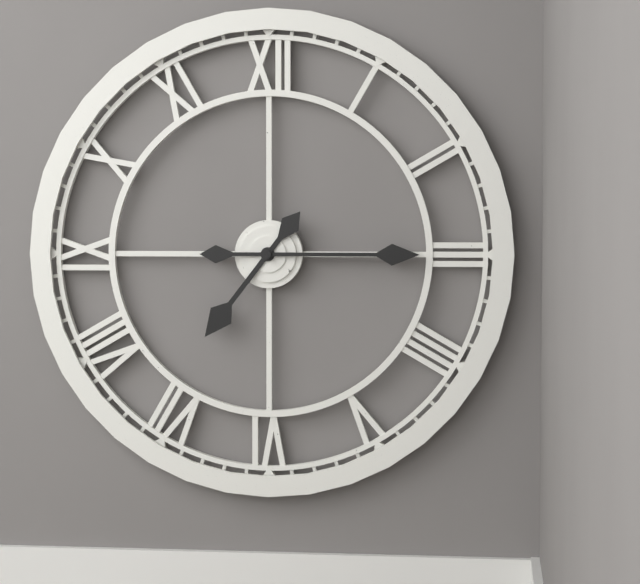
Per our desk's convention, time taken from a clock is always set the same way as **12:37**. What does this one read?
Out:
**7:15**
